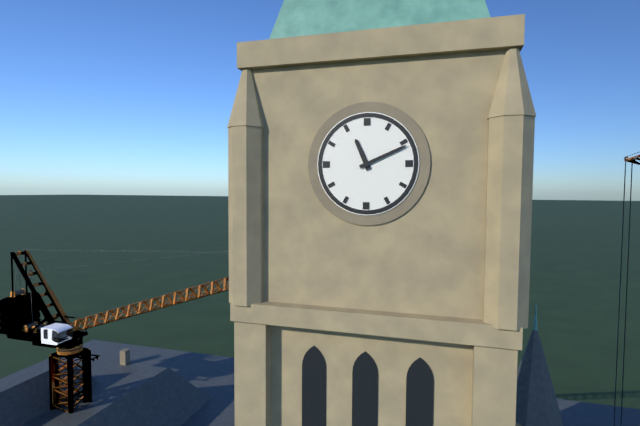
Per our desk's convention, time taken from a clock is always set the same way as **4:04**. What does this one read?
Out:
**11:11**
